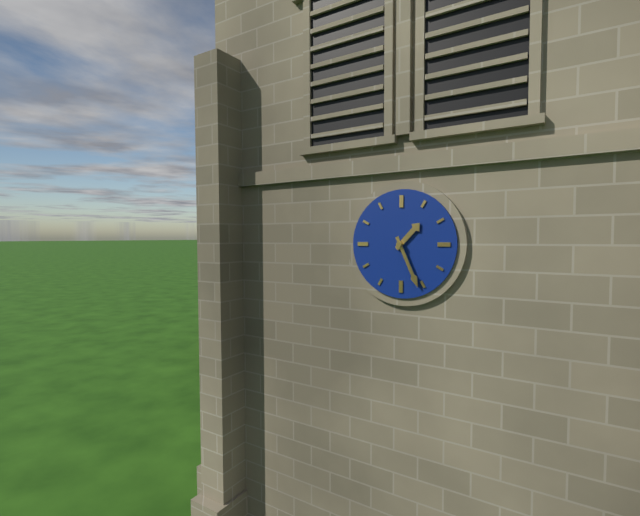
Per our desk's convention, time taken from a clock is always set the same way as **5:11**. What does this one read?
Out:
**1:26**
